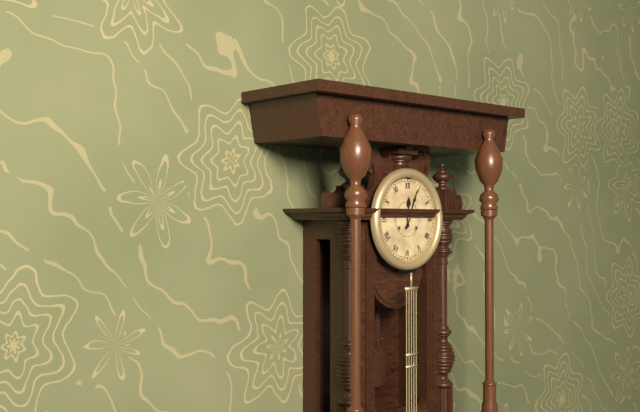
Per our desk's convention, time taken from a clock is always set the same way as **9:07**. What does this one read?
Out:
**12:04**
